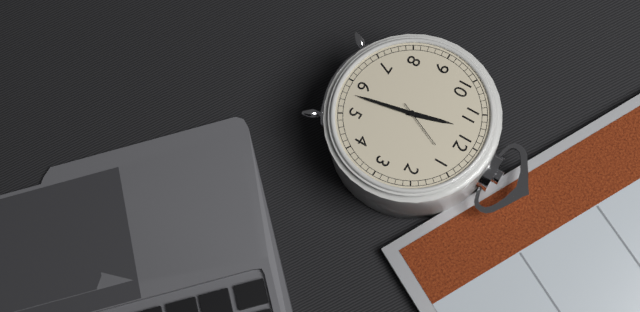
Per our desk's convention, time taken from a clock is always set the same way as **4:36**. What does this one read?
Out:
**11:28**
